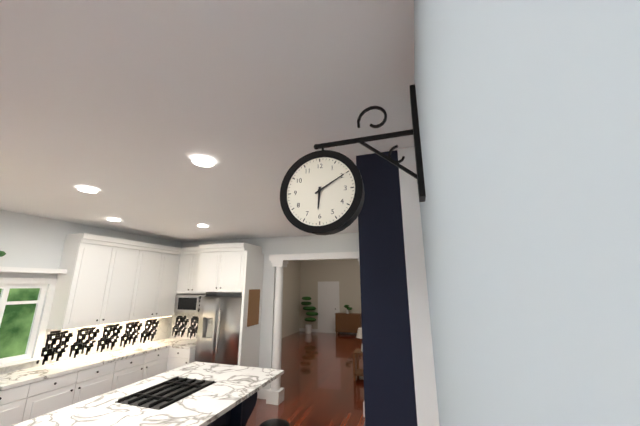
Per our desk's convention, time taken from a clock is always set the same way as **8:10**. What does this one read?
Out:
**6:10**
